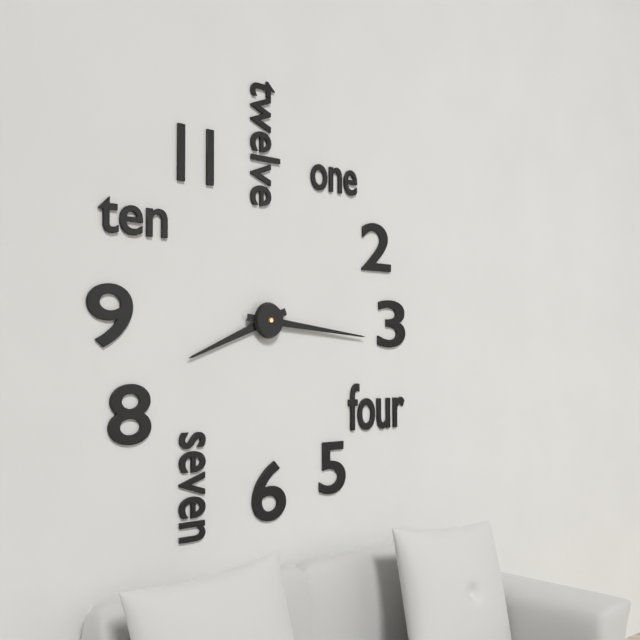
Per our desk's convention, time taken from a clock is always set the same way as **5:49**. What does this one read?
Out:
**8:16**
